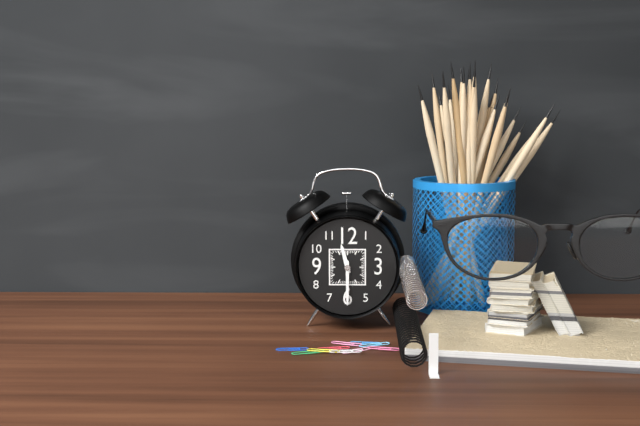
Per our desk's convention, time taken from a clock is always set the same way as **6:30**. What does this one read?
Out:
**11:30**
